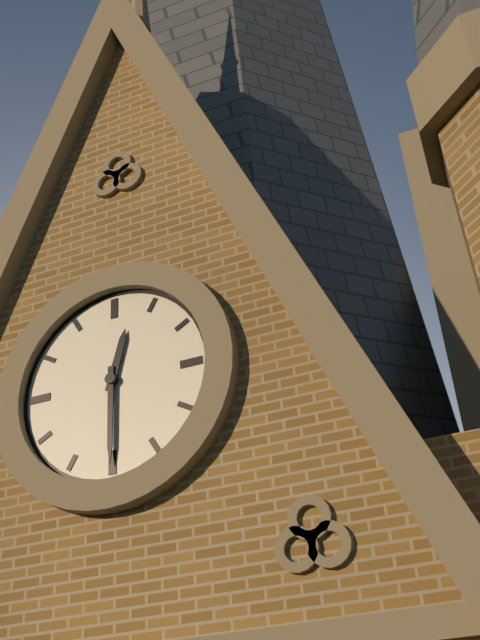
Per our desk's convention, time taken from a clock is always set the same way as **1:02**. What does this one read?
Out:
**12:30**
